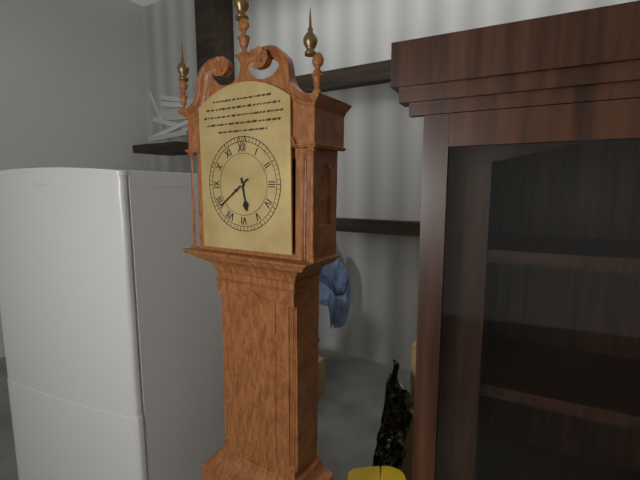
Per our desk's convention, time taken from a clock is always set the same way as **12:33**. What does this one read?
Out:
**5:39**
